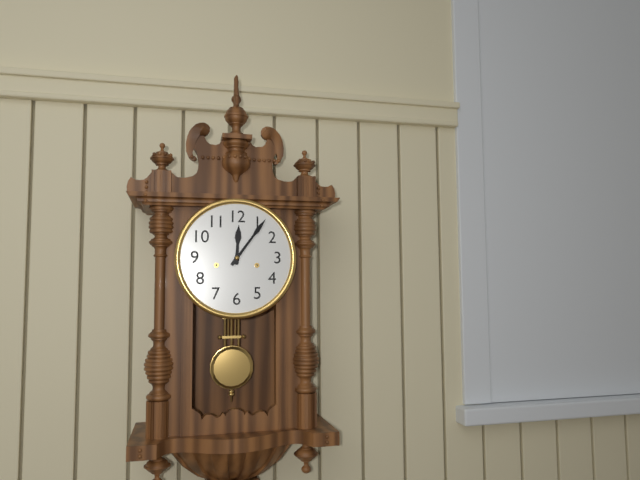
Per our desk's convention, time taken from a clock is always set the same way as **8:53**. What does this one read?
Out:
**12:06**
